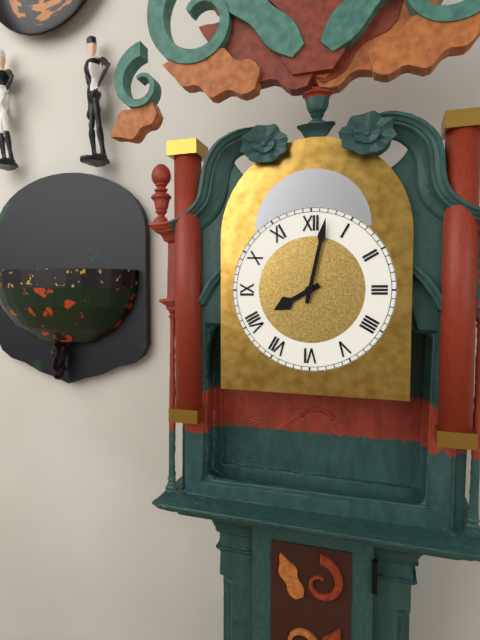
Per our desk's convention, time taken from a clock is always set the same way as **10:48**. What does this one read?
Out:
**8:02**
